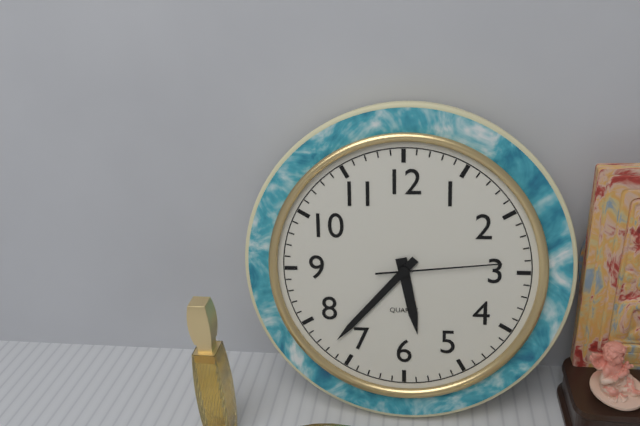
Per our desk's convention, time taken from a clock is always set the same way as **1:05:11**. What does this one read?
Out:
**5:37:14**
